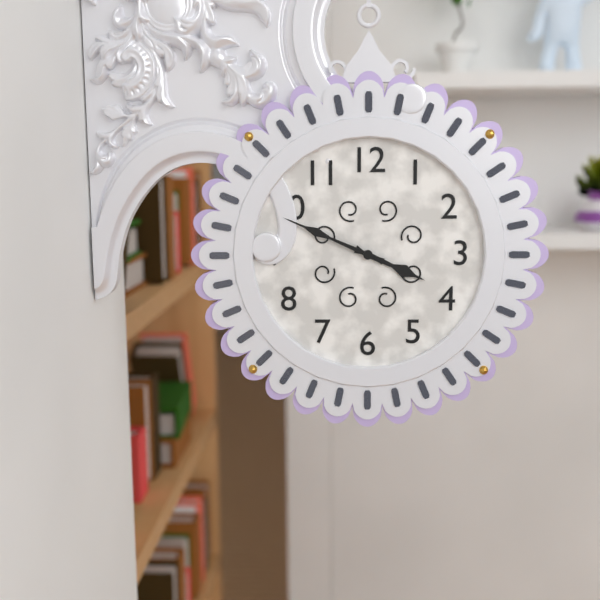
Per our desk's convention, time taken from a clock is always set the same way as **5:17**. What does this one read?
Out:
**3:49**
